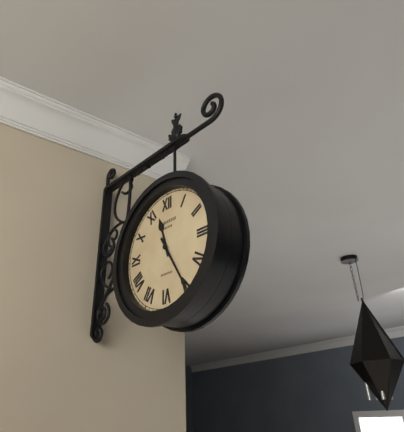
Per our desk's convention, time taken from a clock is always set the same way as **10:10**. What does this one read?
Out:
**11:25**
